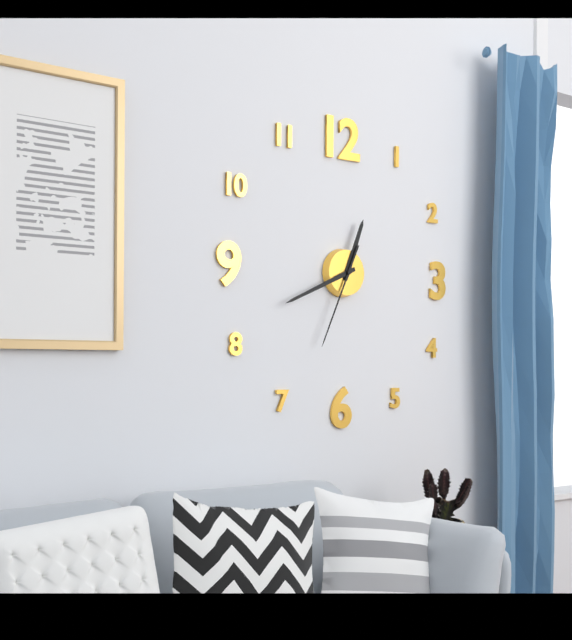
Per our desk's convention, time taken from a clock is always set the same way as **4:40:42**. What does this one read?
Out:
**12:41:34**
